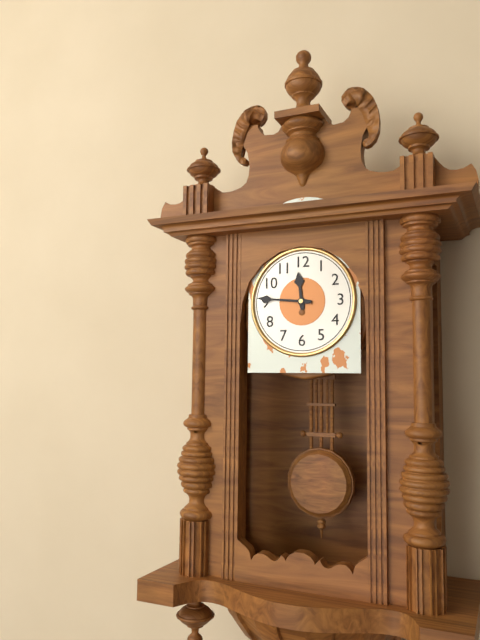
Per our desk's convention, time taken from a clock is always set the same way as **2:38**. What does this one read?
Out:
**11:46**
